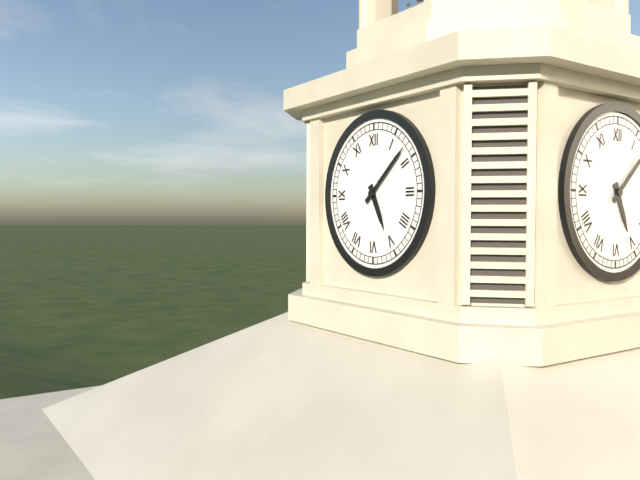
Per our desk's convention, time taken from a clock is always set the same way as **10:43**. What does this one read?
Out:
**5:08**
